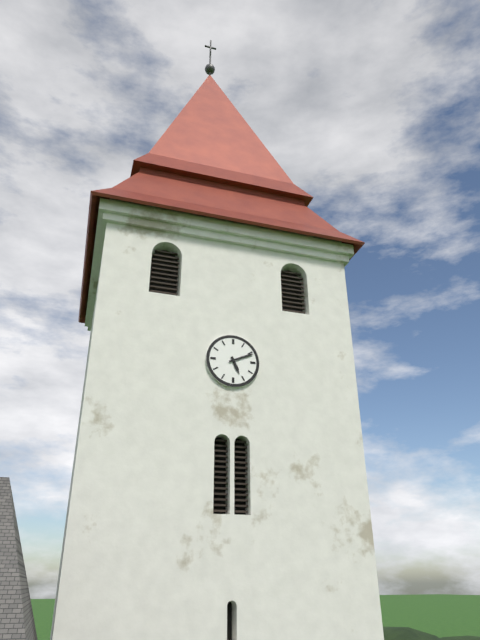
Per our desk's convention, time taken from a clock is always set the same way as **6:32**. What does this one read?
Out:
**5:11**
